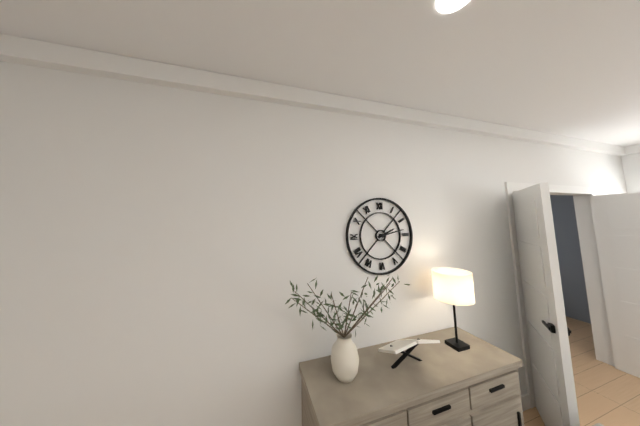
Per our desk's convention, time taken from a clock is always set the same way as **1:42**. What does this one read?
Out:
**2:13**
